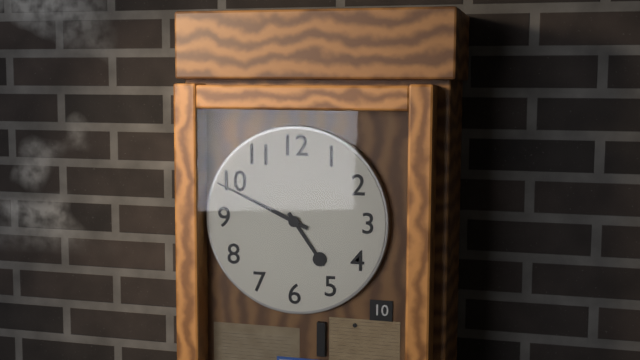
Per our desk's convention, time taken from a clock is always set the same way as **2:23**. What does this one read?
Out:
**4:49**
